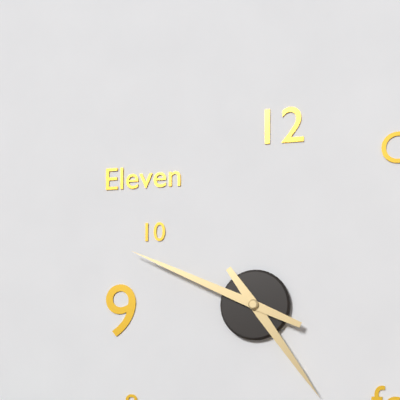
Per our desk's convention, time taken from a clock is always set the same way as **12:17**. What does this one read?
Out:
**4:49**
